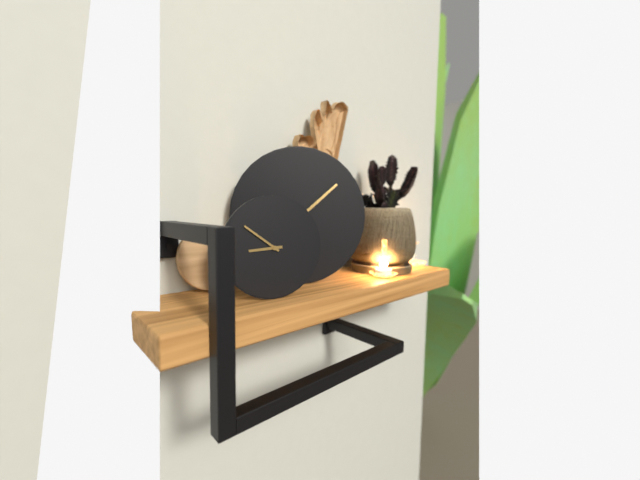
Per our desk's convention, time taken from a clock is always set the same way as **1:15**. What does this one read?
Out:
**8:51**
